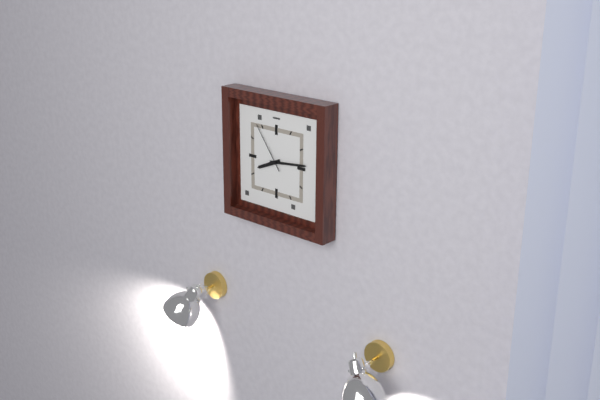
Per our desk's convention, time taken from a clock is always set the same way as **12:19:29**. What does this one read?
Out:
**8:14:54**
